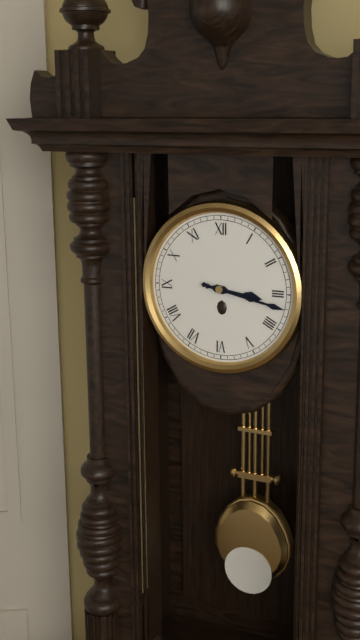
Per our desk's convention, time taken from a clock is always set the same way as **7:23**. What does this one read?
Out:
**3:17**
